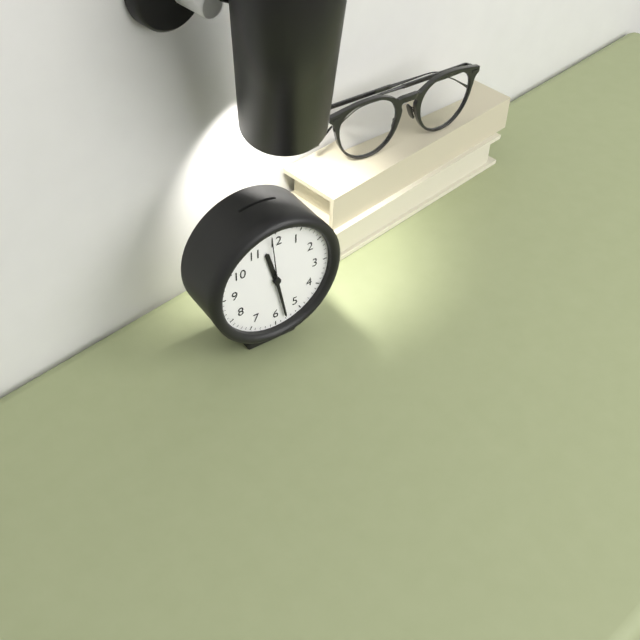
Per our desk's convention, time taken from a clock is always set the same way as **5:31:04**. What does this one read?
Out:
**11:28:59**
